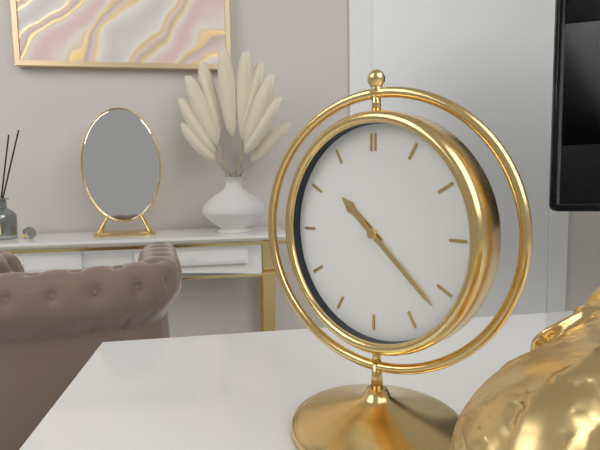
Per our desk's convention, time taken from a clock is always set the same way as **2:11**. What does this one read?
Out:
**10:22**
